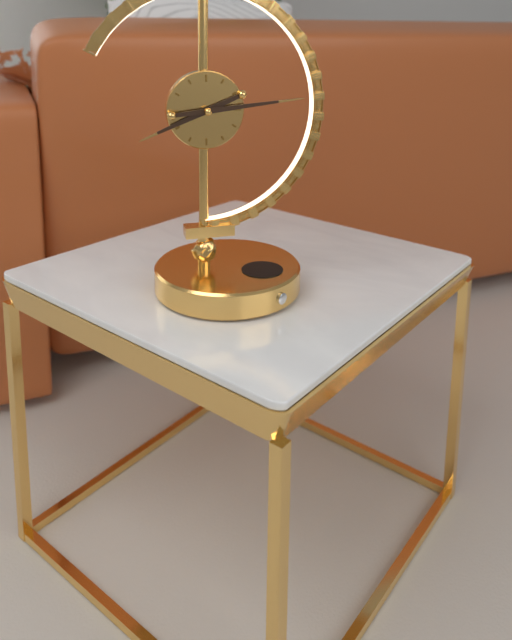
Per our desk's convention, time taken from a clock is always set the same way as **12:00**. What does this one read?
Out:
**8:14**
